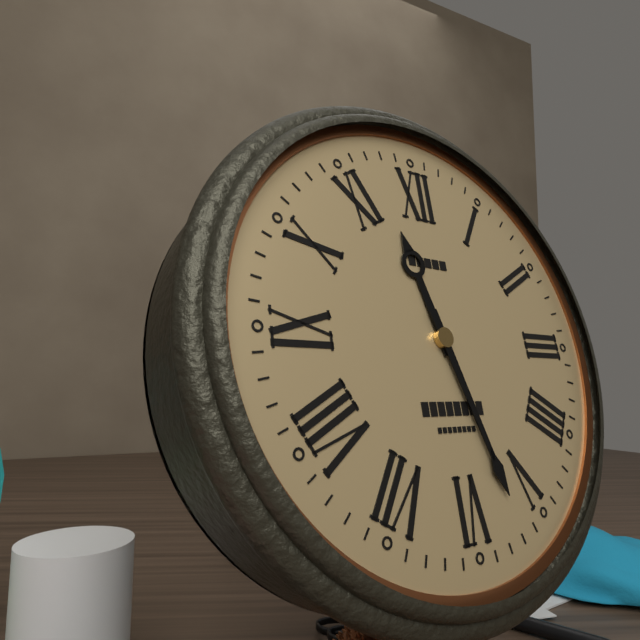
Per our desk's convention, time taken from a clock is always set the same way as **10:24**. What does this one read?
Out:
**11:27**
